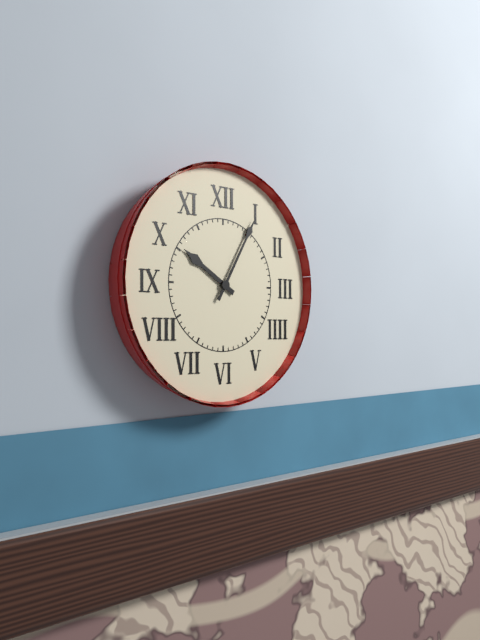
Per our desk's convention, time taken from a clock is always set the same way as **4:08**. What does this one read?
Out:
**10:05**
